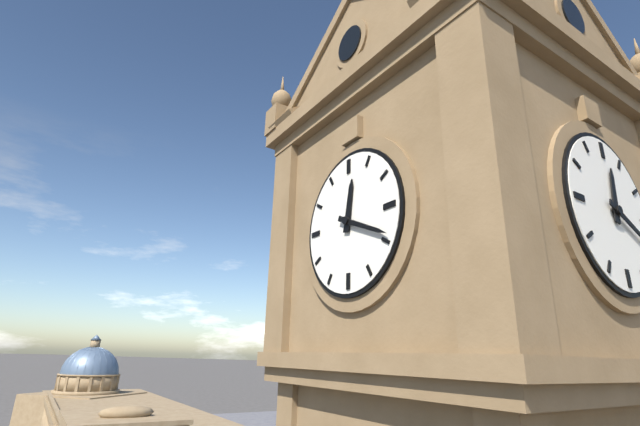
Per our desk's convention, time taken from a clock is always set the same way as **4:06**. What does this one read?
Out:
**12:19**
